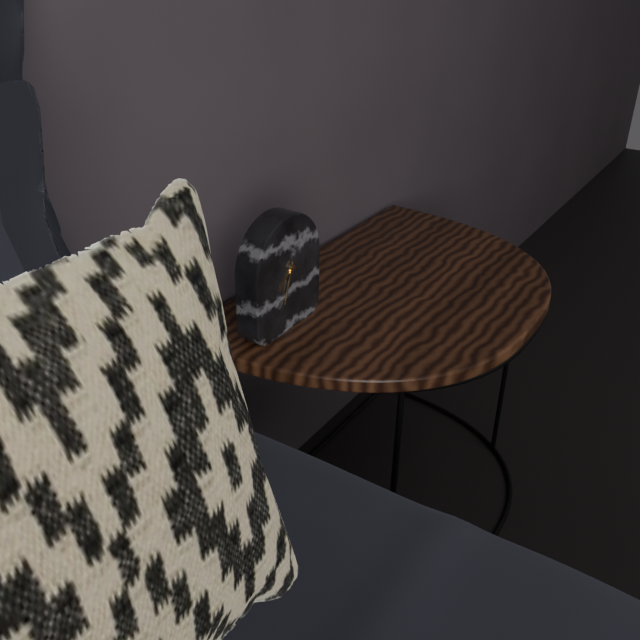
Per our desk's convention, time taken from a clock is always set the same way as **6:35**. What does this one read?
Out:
**7:33**
